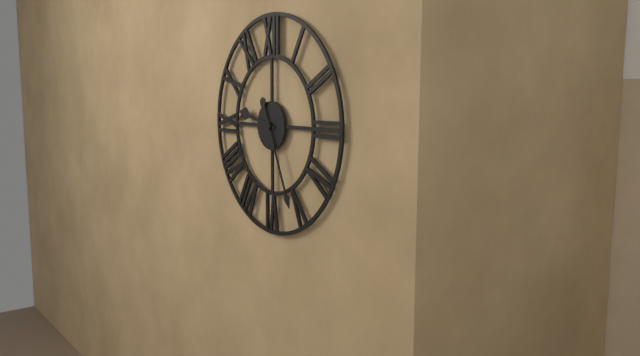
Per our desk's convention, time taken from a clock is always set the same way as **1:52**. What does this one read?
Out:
**9:26**
